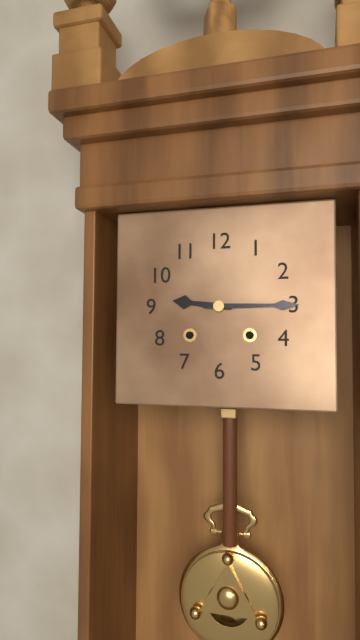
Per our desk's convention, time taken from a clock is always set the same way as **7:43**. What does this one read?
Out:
**9:15**
